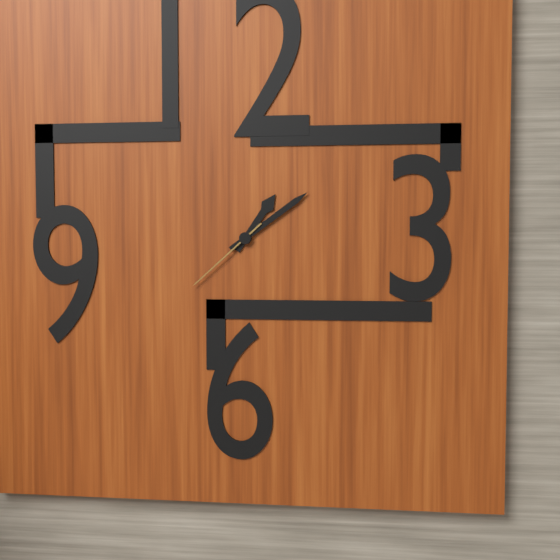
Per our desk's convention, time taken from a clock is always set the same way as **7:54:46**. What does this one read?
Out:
**1:09:38**
